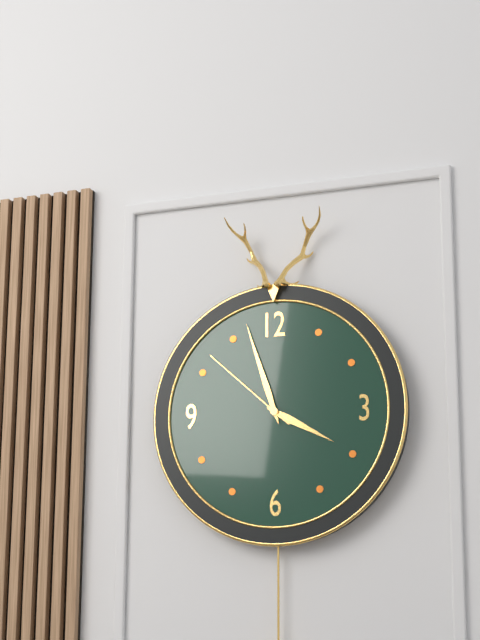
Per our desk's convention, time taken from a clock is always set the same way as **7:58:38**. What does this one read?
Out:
**3:57:52**
